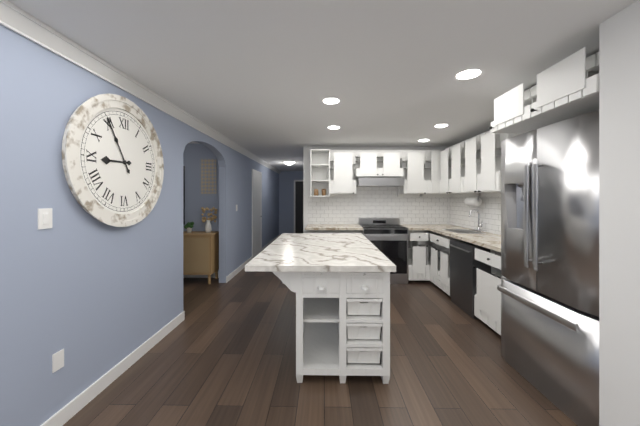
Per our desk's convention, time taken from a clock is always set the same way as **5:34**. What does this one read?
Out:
**8:55**
